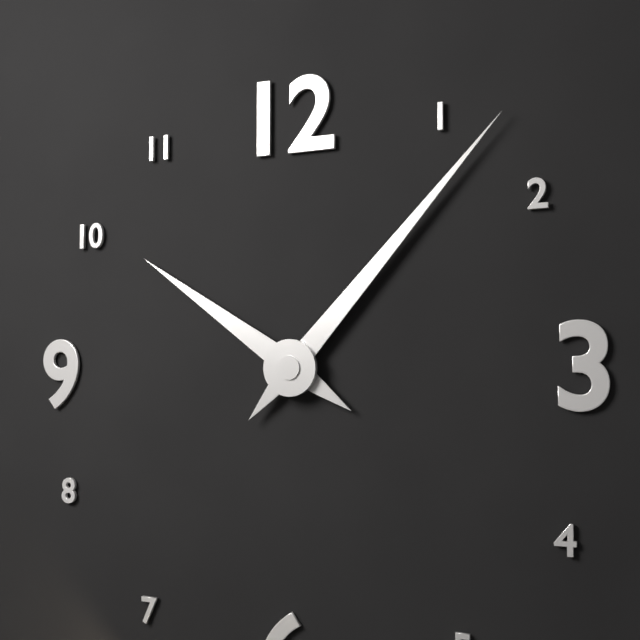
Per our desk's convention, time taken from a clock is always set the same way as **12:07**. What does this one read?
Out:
**10:07**
